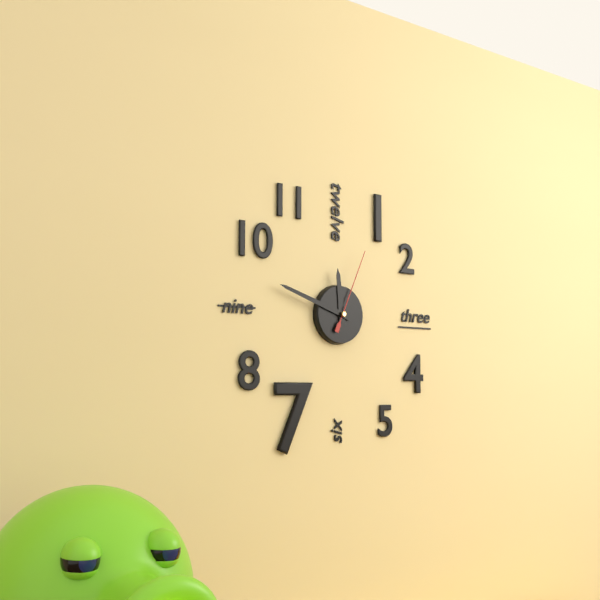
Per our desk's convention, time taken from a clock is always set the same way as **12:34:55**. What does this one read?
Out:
**11:48:04**
